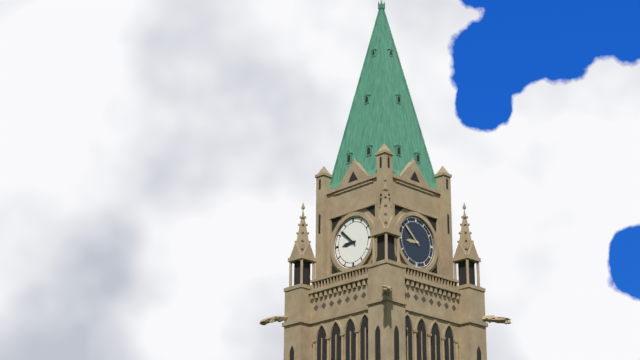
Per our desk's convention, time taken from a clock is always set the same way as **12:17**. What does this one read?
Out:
**8:52**
